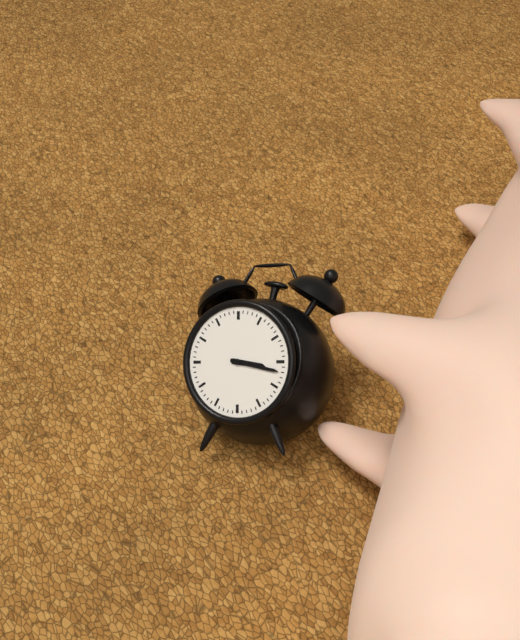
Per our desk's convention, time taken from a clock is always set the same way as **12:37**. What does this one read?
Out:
**3:17**
